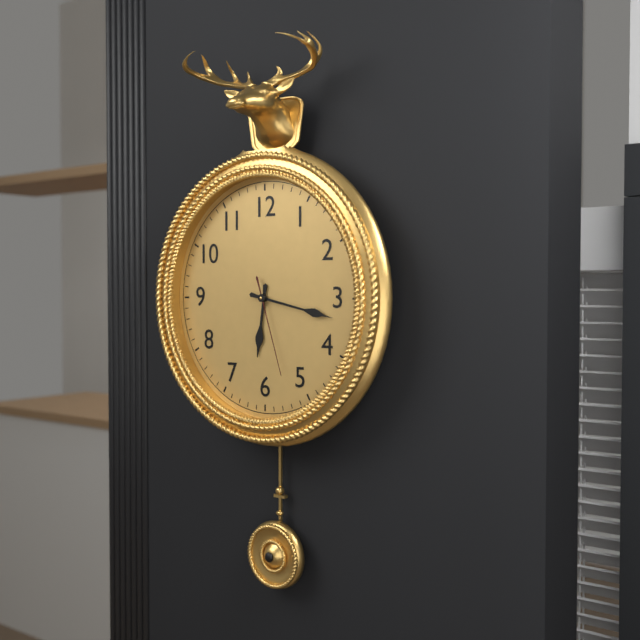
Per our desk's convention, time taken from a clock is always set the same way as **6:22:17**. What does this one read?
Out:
**6:17:27**
